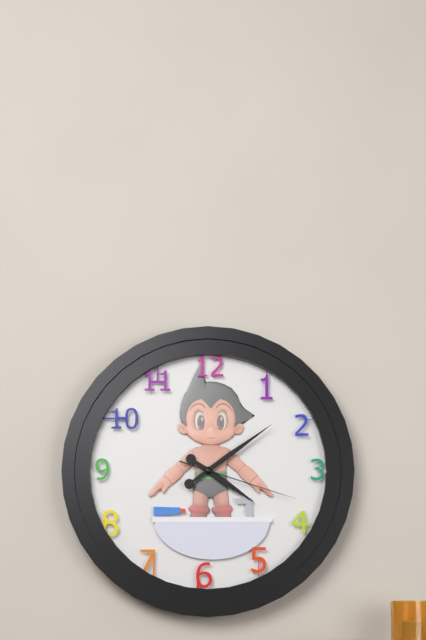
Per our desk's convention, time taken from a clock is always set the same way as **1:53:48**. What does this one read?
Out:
**4:09:18**
